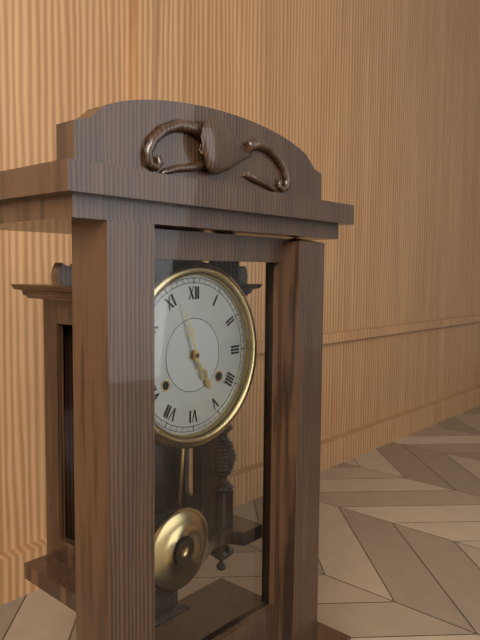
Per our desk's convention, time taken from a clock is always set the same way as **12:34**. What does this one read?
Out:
**4:57**
